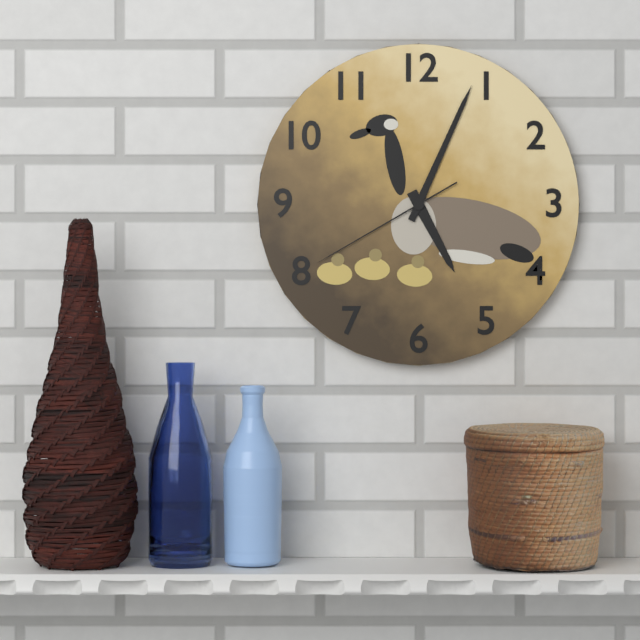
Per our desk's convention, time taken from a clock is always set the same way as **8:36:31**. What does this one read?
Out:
**5:04:40**
